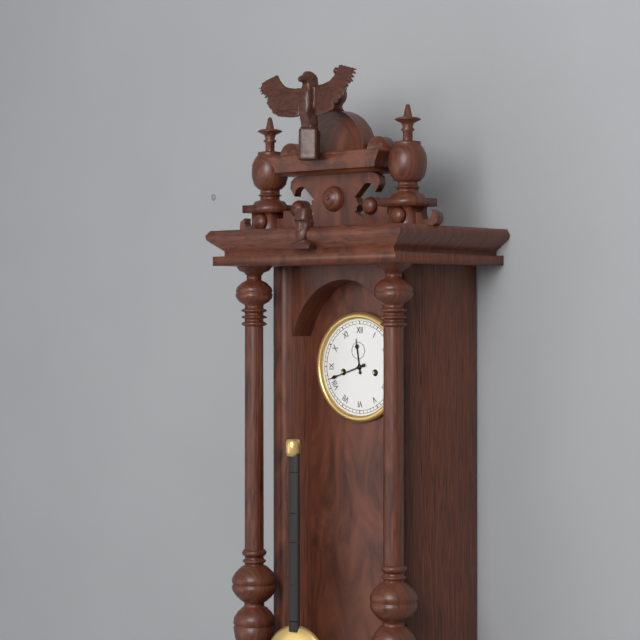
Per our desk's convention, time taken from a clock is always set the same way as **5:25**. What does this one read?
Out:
**11:42**
